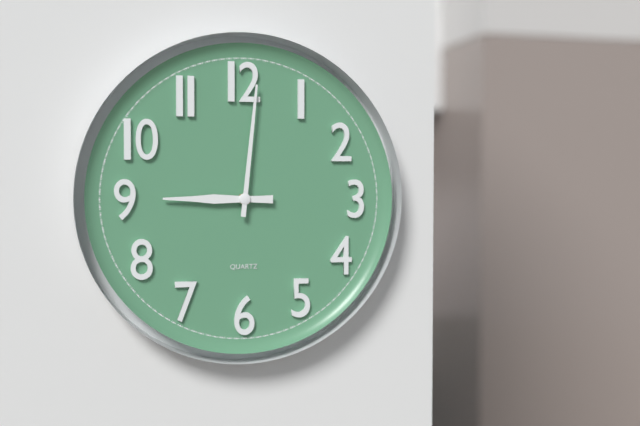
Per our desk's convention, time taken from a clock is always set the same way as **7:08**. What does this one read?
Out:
**9:01**
